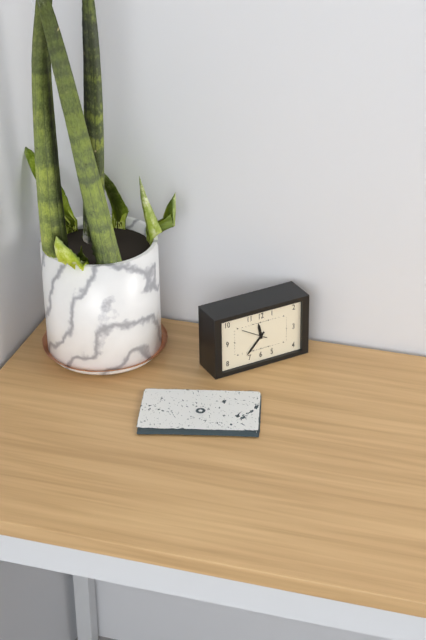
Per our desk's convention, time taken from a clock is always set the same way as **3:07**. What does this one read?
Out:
**11:37**
